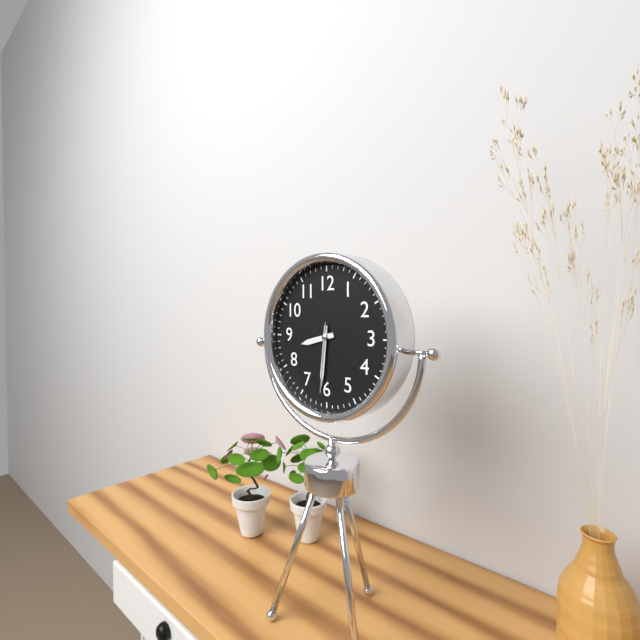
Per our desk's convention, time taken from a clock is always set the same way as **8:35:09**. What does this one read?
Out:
**8:31:31**
